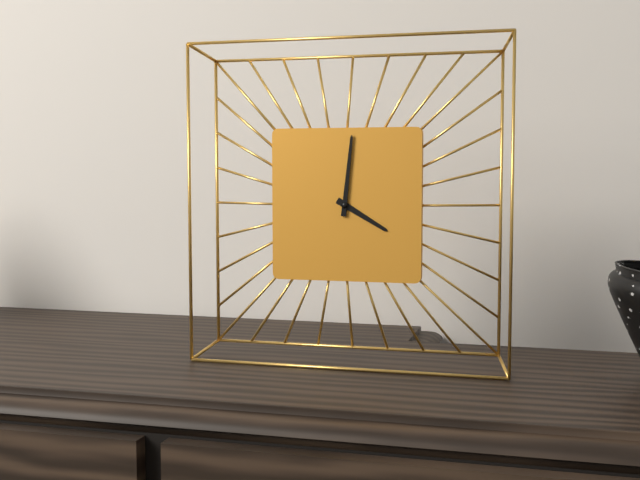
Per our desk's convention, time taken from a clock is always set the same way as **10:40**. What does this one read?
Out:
**4:01**
